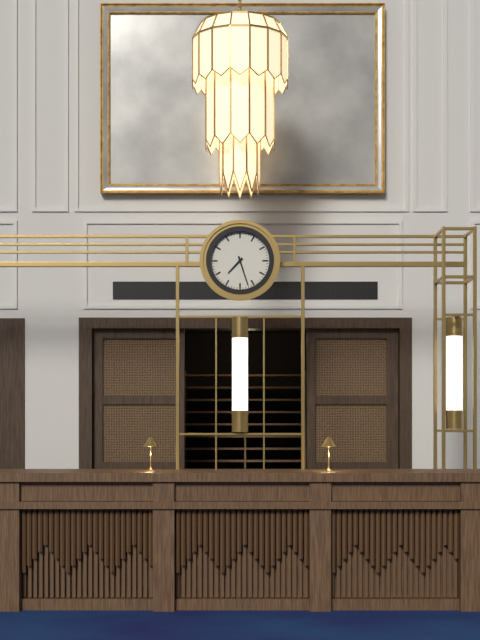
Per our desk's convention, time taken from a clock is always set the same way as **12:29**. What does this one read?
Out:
**7:27**
